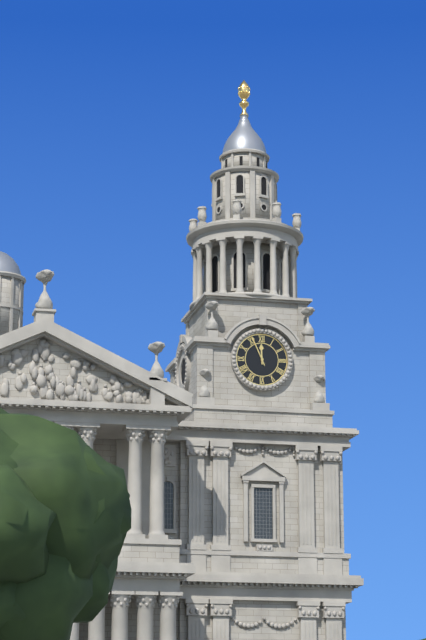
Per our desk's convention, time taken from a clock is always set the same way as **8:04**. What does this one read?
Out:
**11:56**
